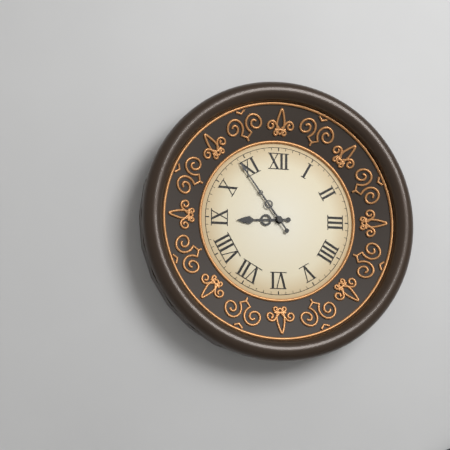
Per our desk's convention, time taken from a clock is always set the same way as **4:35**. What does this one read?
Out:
**8:54**
